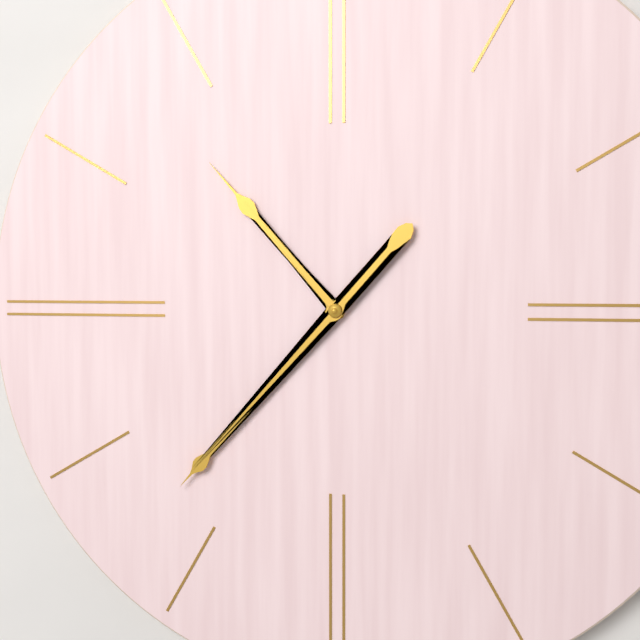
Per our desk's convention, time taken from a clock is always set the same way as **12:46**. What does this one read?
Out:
**10:37**
